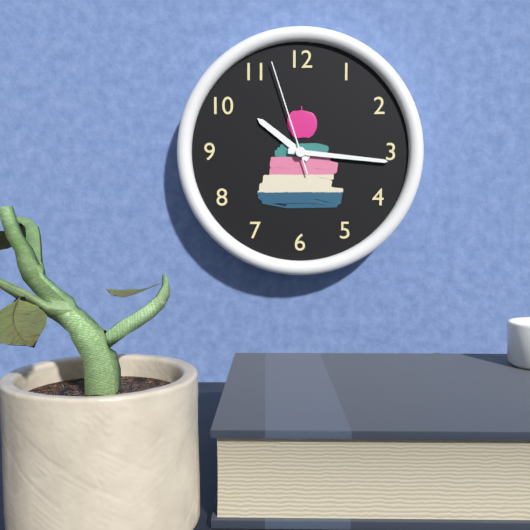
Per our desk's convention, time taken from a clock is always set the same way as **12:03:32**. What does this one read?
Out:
**10:16:57**
